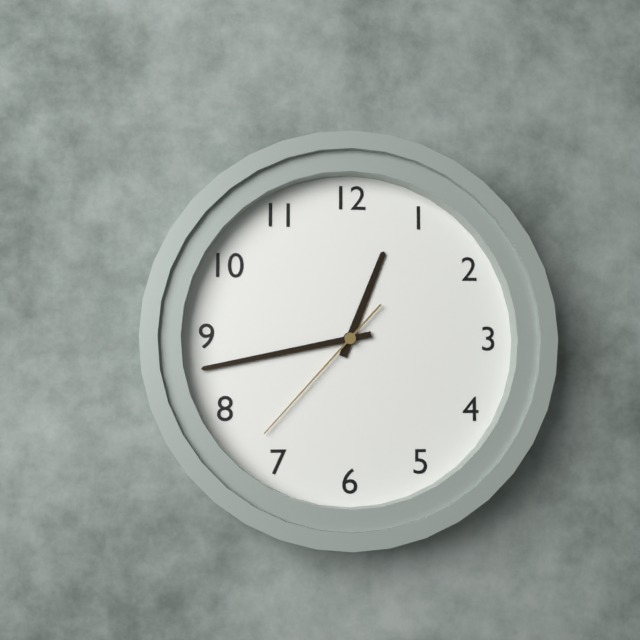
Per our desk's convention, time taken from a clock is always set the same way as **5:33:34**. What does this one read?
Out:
**12:43:37**
